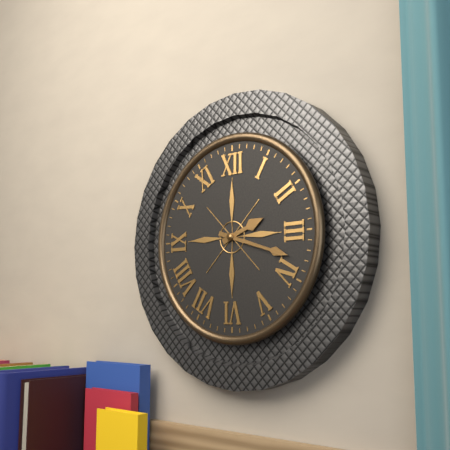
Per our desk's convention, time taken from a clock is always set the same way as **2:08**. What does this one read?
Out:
**2:18**
